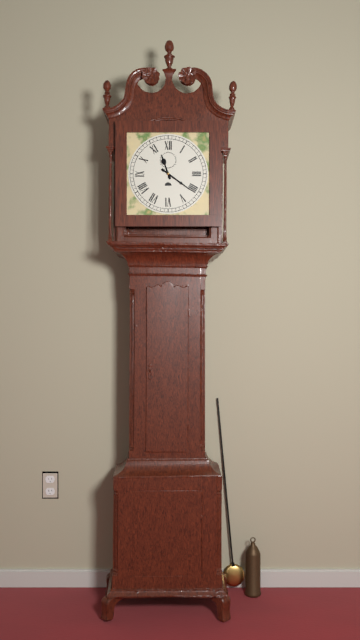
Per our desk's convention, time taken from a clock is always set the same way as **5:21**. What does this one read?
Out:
**11:21**
